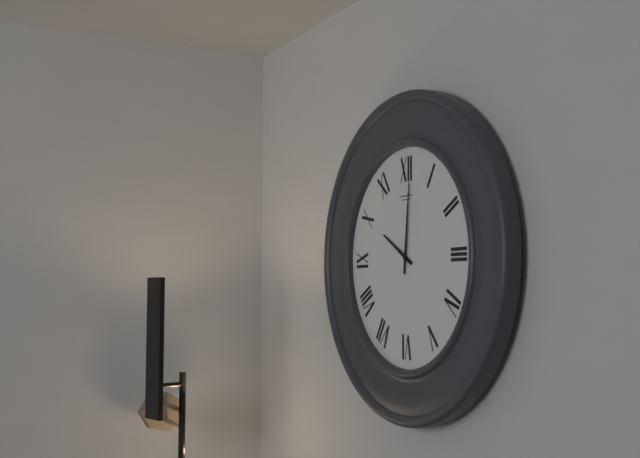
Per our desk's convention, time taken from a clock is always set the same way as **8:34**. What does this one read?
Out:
**10:01**
